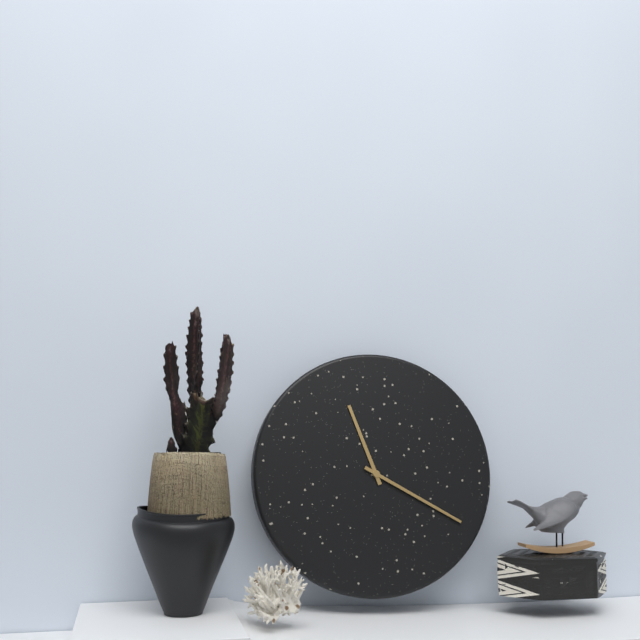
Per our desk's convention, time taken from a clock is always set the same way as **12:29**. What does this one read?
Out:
**11:20**
